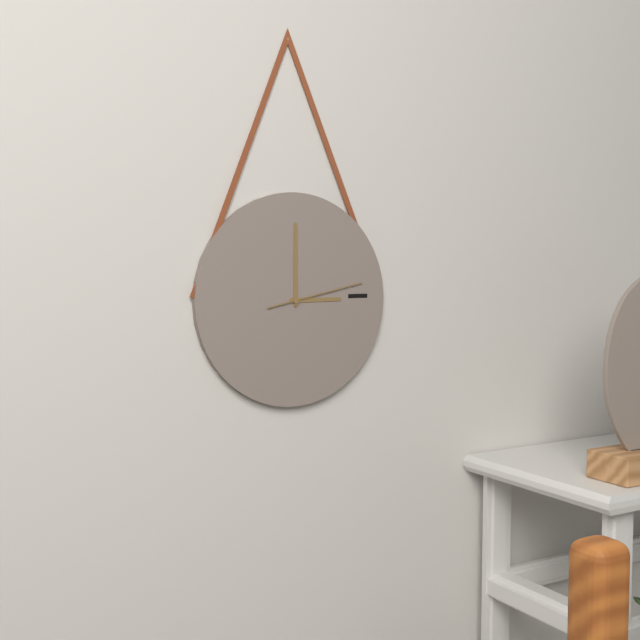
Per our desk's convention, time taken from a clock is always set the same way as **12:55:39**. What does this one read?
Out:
**3:00:13**
